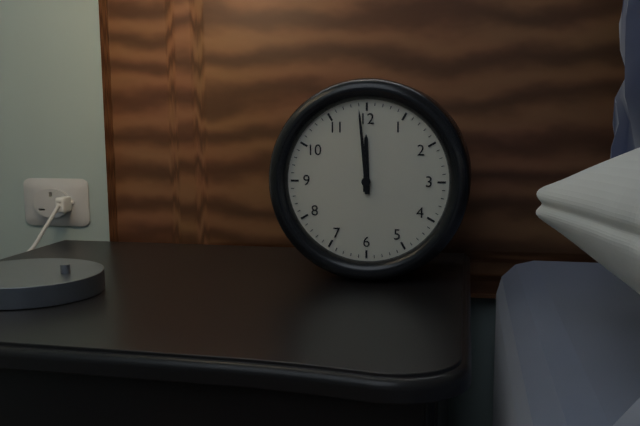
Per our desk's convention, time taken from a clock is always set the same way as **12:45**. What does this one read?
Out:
**11:59**
